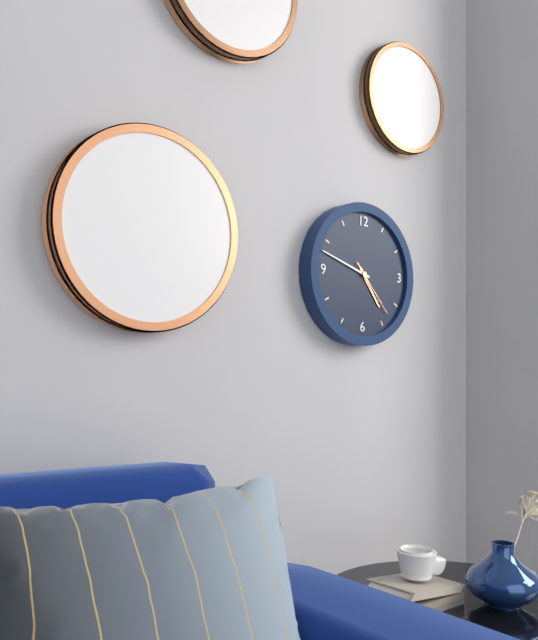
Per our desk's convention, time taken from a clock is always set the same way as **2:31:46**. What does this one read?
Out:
**4:48:23**
